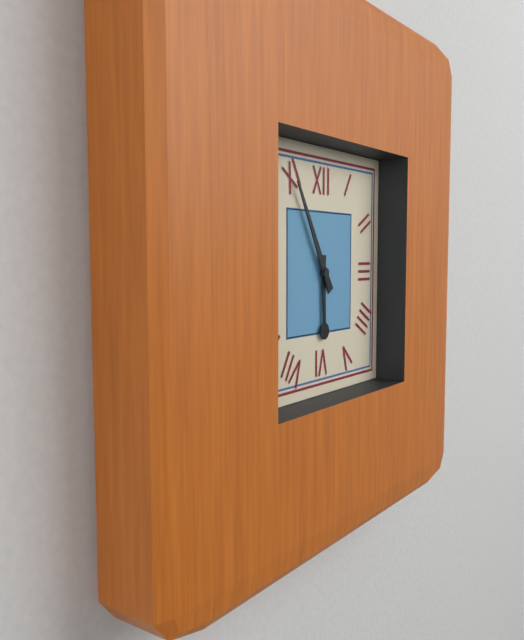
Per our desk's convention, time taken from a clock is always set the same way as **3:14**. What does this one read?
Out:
**5:55**
